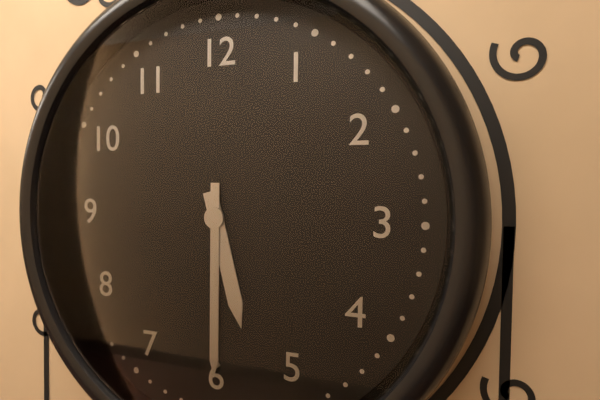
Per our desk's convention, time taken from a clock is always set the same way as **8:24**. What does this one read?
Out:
**5:30**
